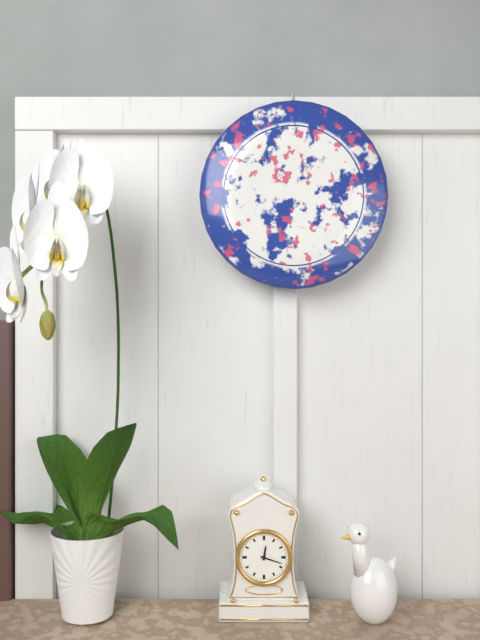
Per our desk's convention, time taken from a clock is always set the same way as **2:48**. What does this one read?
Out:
**12:18**
